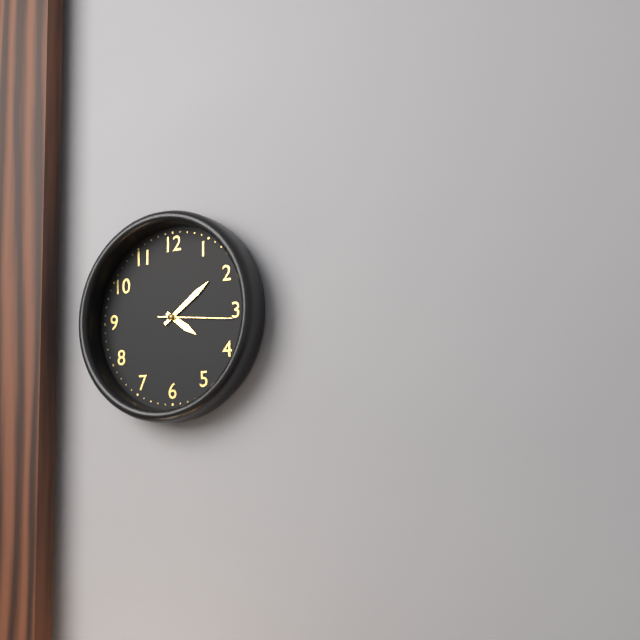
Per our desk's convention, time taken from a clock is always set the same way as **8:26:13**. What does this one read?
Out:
**4:09:16**
